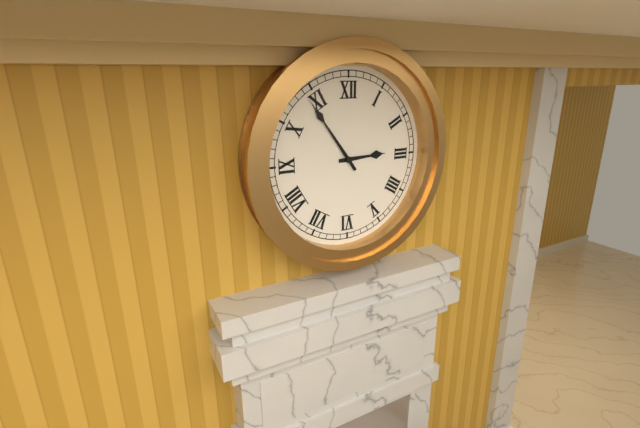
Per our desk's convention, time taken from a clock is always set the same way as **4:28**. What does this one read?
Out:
**2:54**
